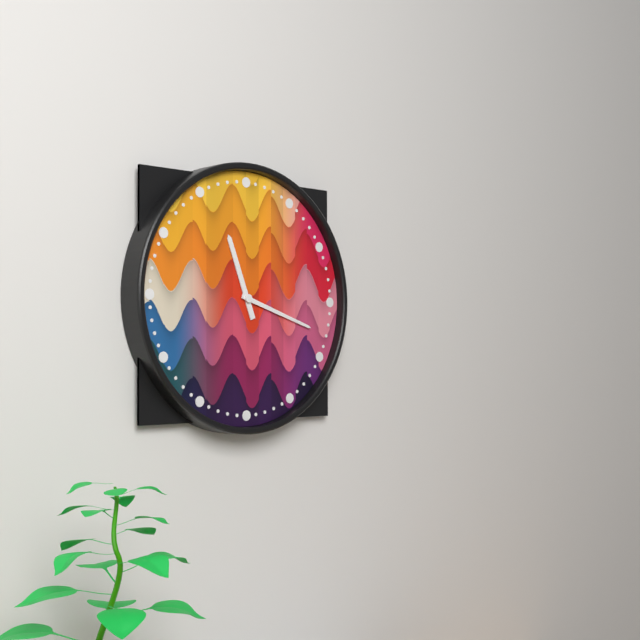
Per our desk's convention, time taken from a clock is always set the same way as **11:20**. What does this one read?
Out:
**11:18**
